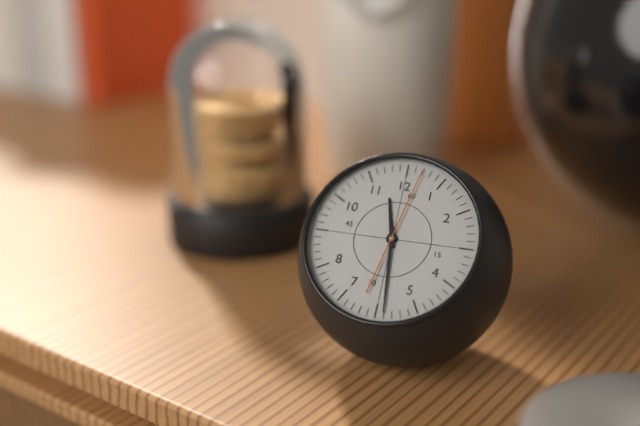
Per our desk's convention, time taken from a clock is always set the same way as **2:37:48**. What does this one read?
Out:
**11:29:02**
